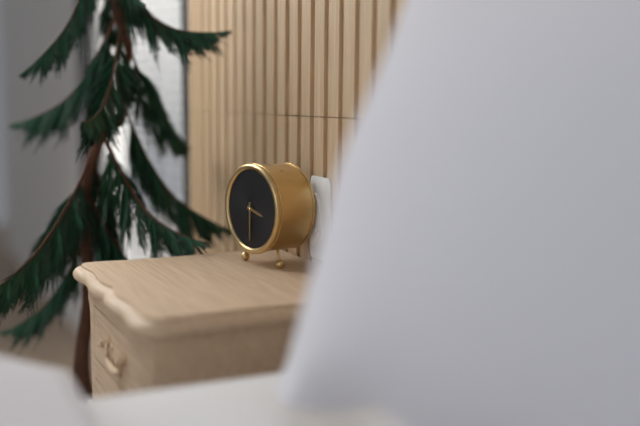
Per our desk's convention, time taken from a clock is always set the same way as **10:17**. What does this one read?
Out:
**3:30**
